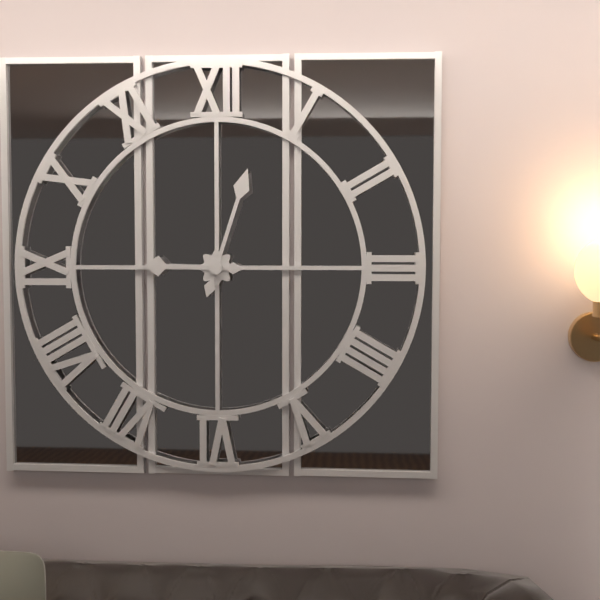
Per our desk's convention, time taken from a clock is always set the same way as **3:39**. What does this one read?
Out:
**9:03**
